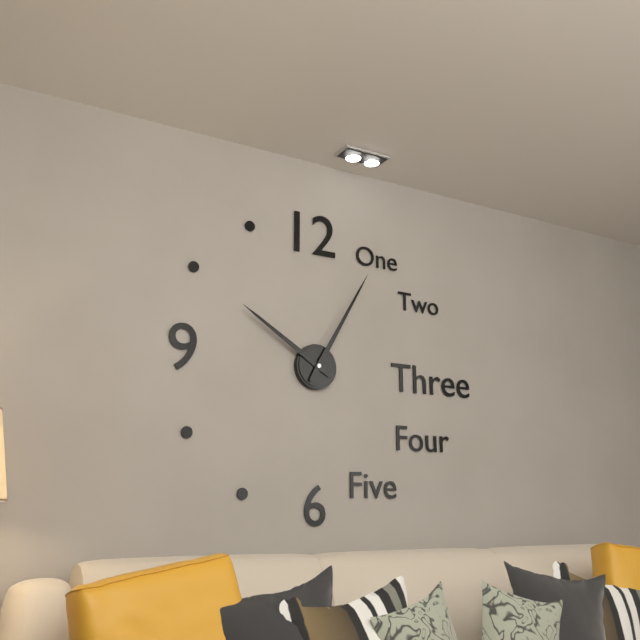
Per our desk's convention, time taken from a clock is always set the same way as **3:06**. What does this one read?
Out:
**10:05**
